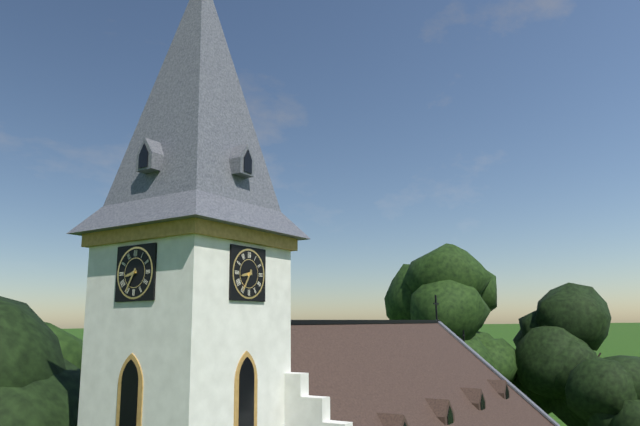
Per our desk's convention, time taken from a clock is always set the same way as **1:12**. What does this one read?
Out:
**8:35**
